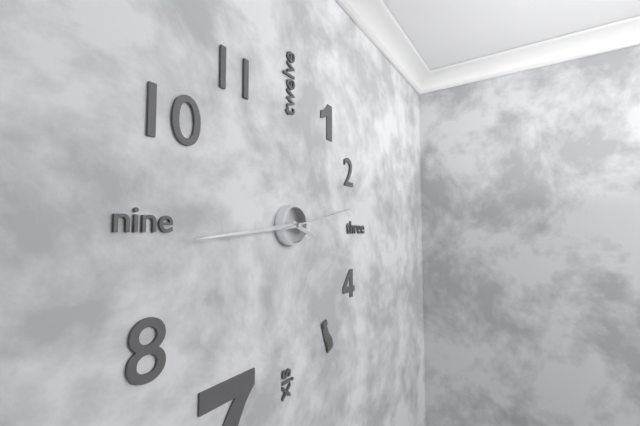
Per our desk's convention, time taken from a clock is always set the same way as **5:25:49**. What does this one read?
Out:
**3:44:13**
